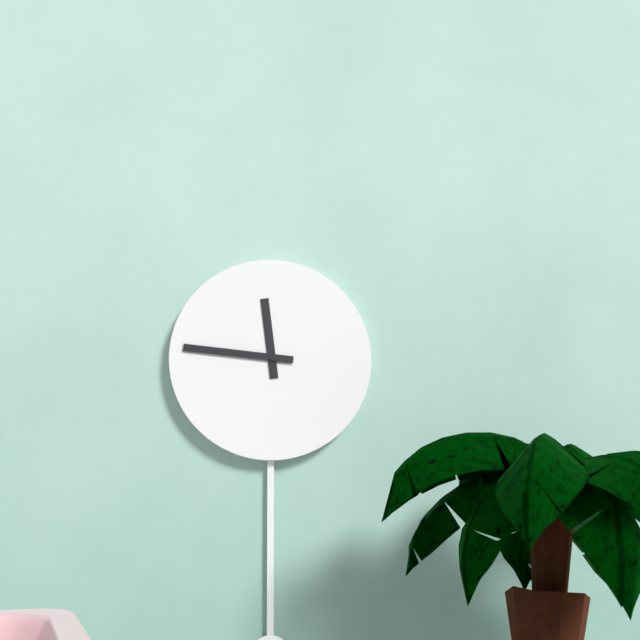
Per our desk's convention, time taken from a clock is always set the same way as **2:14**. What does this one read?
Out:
**11:46**
